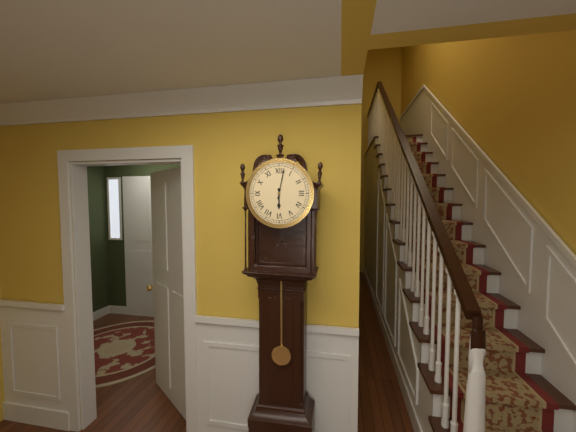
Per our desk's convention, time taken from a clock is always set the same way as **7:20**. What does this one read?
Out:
**6:02**
